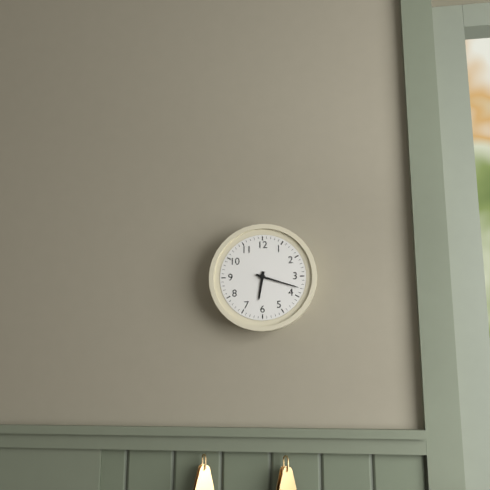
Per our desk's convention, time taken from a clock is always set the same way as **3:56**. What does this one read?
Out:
**6:18**
